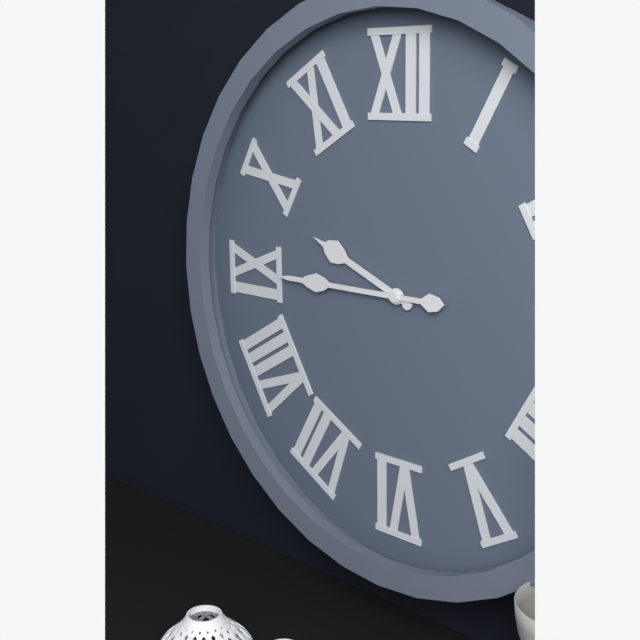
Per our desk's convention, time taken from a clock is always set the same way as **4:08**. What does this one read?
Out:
**9:45**
